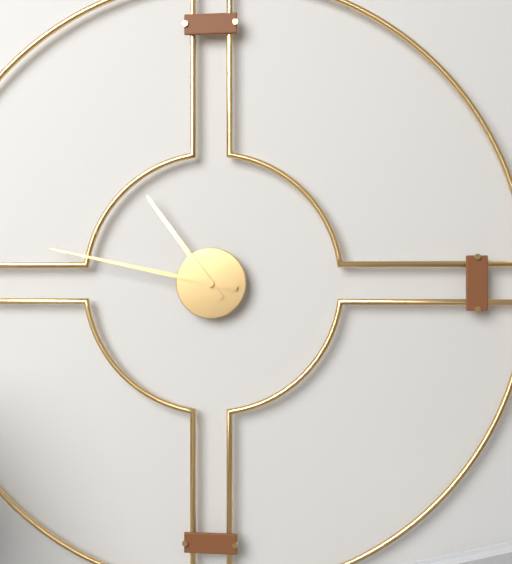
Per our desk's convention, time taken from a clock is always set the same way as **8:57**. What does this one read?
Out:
**10:47**
